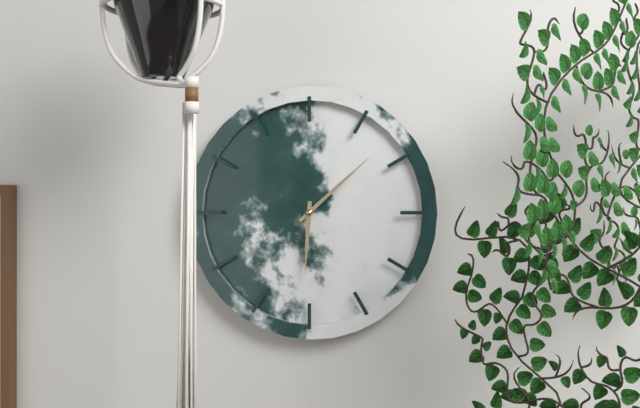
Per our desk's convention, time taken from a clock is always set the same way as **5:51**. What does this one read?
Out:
**6:08**
